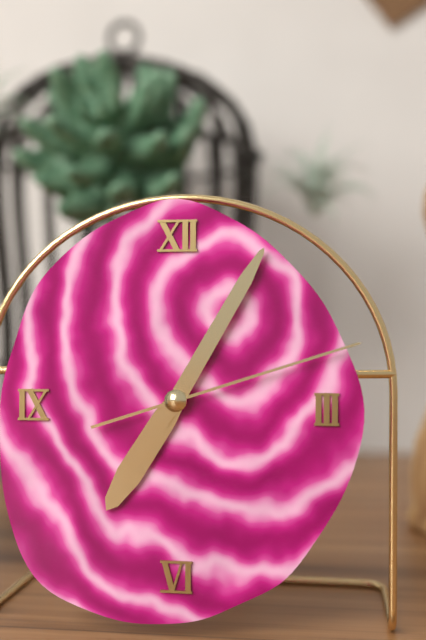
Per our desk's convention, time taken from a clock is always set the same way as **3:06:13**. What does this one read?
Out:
**7:05:12**
